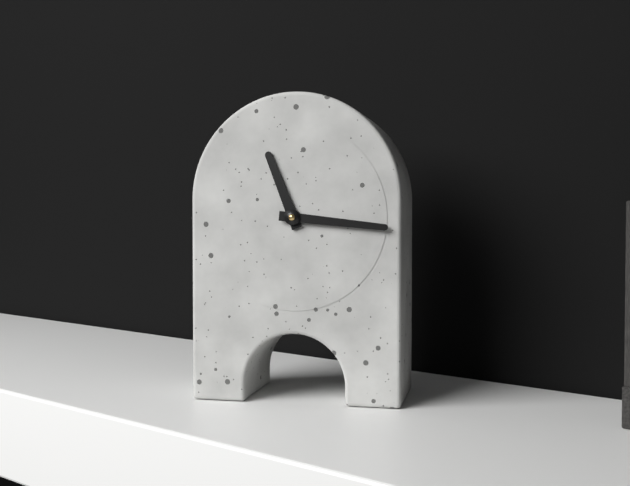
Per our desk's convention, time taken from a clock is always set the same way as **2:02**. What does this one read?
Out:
**11:16**
